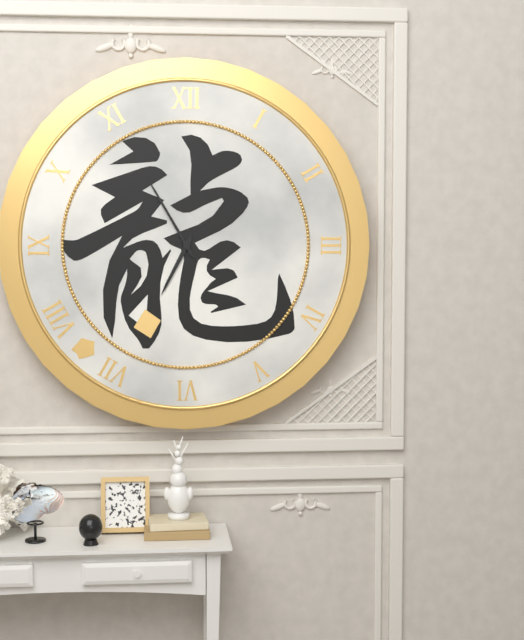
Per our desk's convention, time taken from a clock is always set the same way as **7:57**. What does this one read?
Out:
**6:55**
